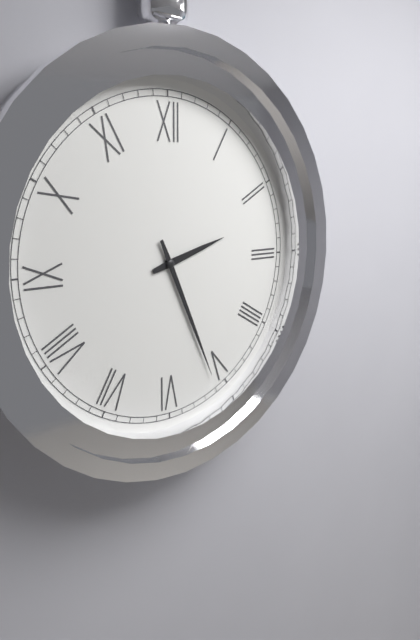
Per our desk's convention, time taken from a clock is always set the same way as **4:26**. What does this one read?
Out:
**2:26**
